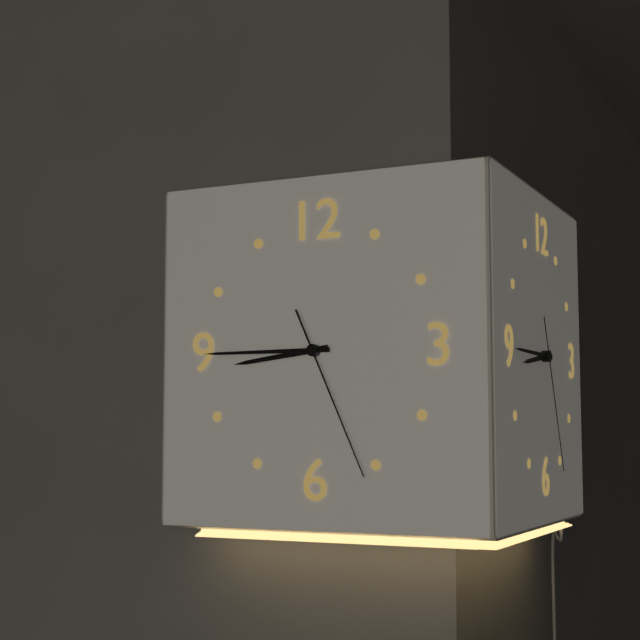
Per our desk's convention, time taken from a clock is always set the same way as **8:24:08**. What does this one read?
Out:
**8:45:26**
